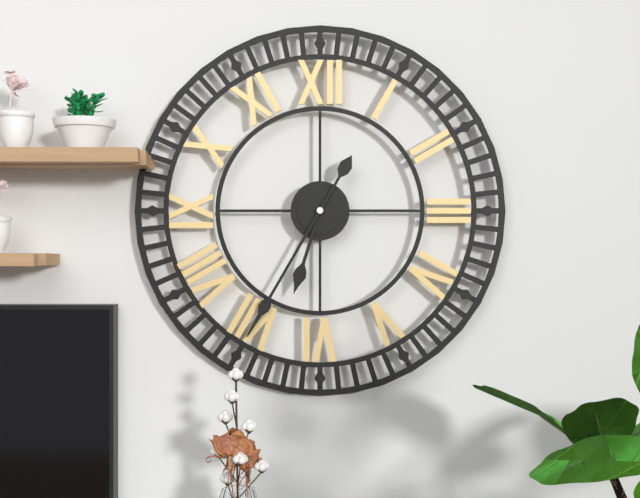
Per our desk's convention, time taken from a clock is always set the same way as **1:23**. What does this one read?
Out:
**6:35**
